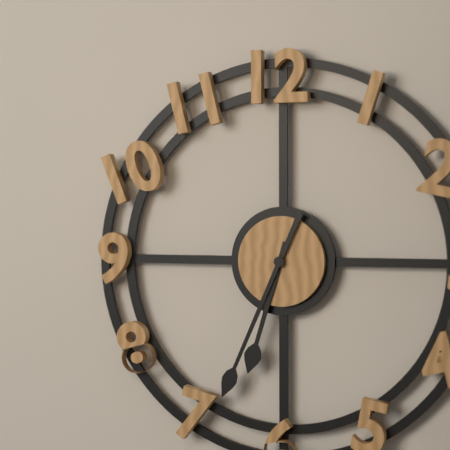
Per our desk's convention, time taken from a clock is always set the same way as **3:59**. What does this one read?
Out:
**6:34**
